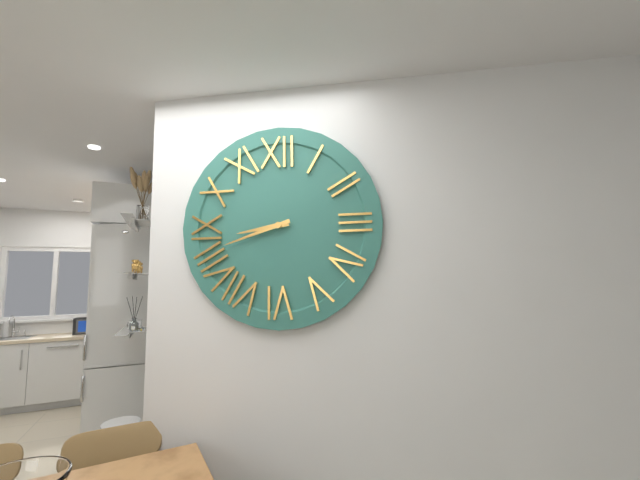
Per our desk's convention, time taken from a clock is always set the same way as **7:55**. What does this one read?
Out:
**8:42**
